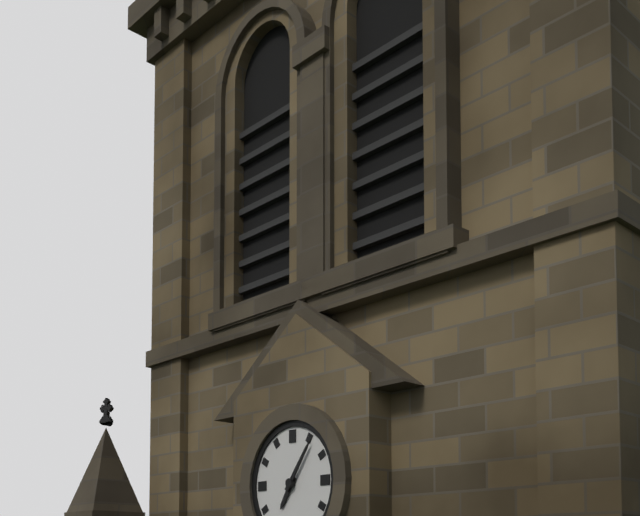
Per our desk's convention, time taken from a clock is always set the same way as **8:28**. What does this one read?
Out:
**7:06**
